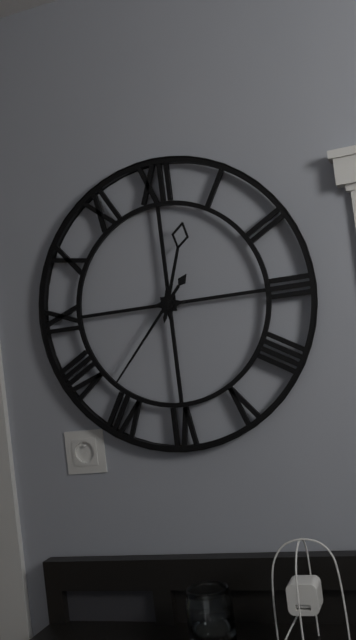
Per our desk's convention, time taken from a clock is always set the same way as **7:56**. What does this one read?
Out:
**12:37**
